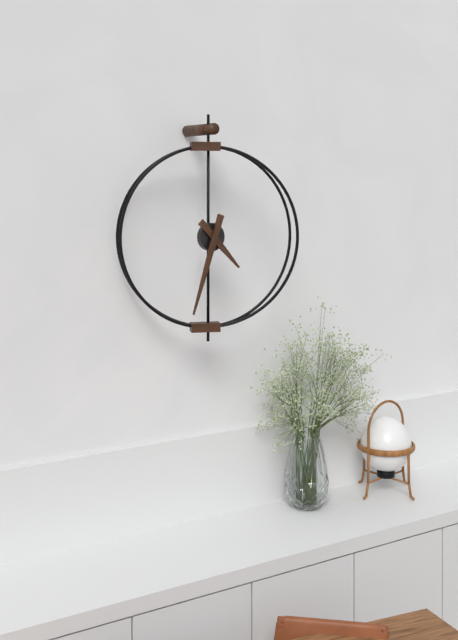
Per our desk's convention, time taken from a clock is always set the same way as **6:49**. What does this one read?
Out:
**4:33**
